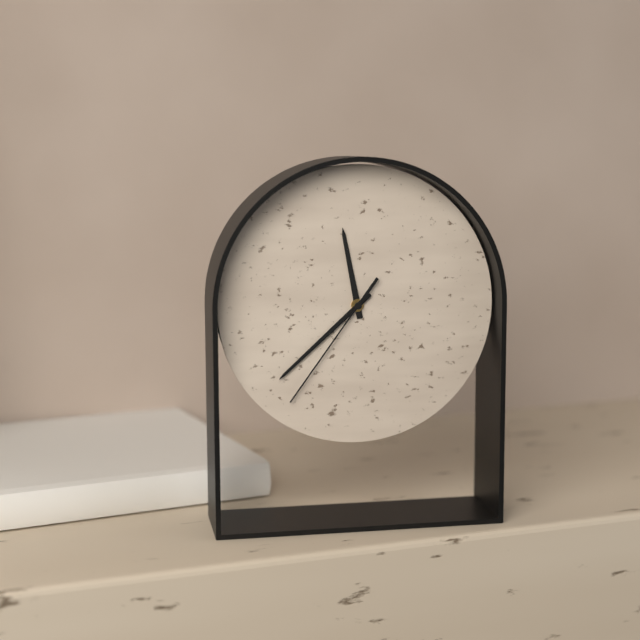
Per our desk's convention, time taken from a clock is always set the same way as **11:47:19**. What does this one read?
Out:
**11:38:36**
